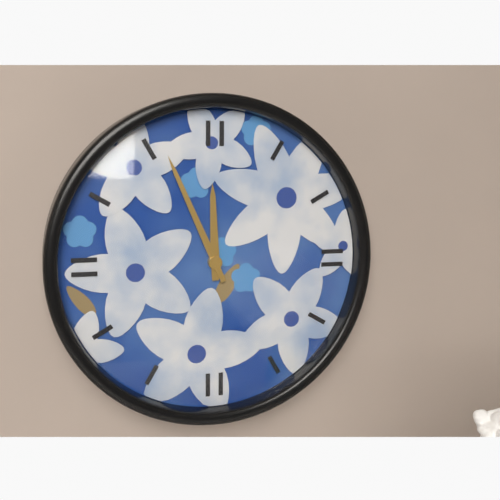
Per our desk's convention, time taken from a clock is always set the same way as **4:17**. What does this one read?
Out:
**11:56**
